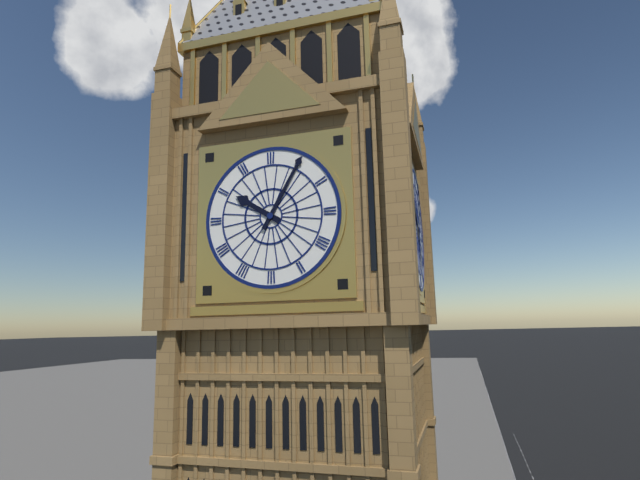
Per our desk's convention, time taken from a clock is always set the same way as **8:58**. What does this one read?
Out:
**10:05**
